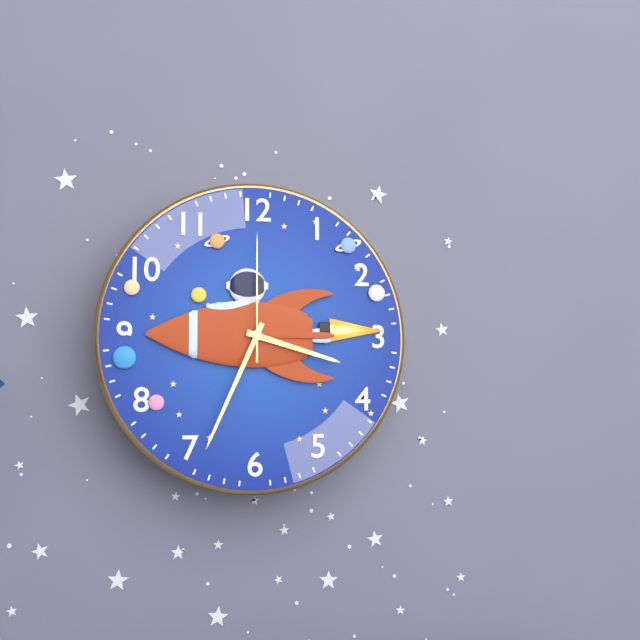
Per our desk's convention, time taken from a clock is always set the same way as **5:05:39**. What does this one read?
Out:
**3:34:00**
